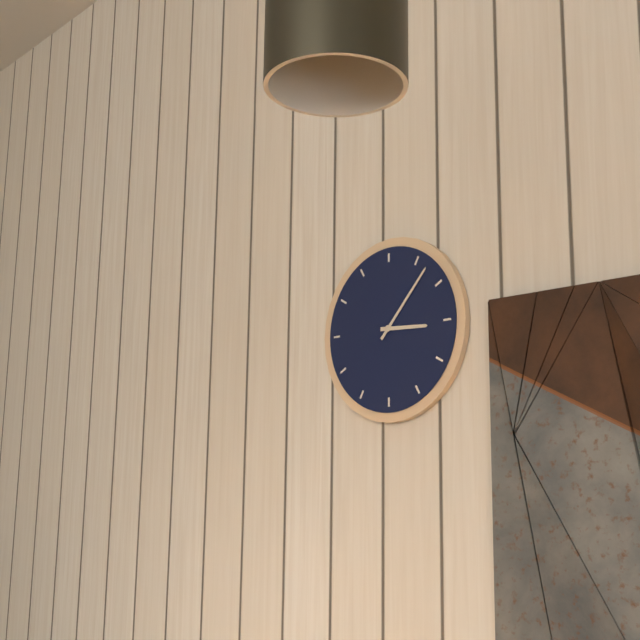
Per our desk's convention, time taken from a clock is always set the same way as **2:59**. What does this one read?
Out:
**3:07**
